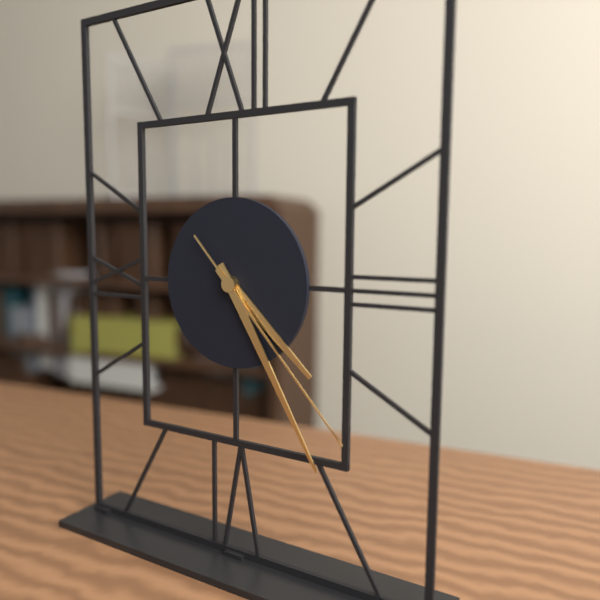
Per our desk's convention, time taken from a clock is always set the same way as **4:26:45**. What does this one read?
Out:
**4:25:23**
